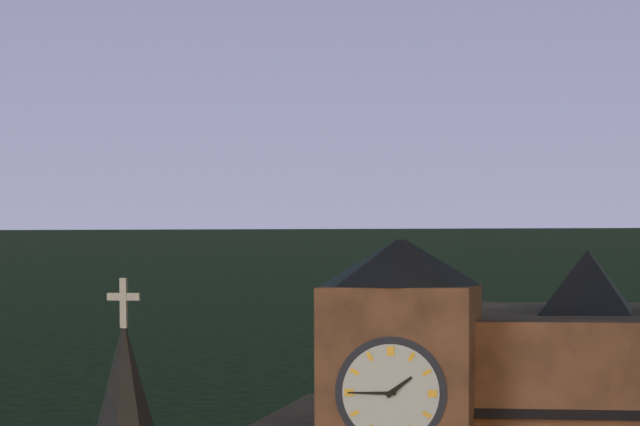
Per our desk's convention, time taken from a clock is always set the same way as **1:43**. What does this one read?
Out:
**1:45**
